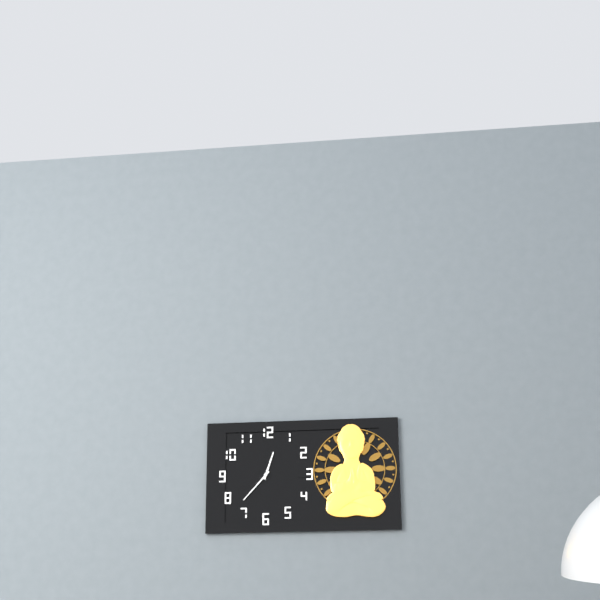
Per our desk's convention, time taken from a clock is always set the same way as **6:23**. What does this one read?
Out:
**12:37**
